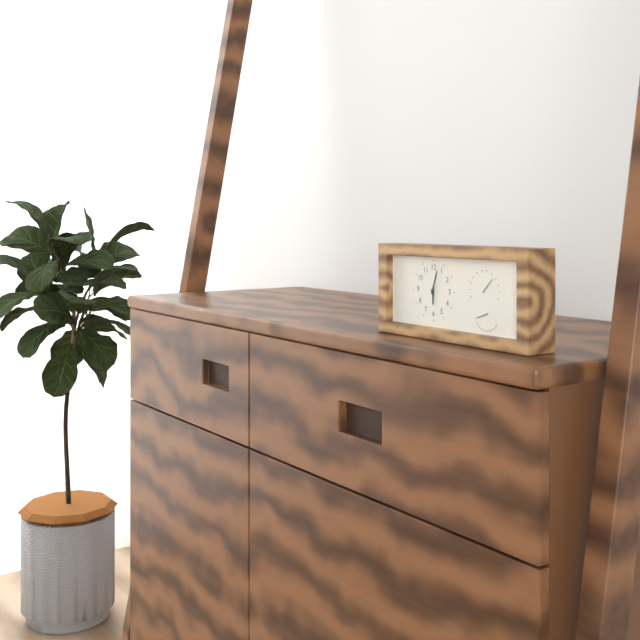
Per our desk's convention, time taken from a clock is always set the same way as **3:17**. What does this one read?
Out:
**6:03**
